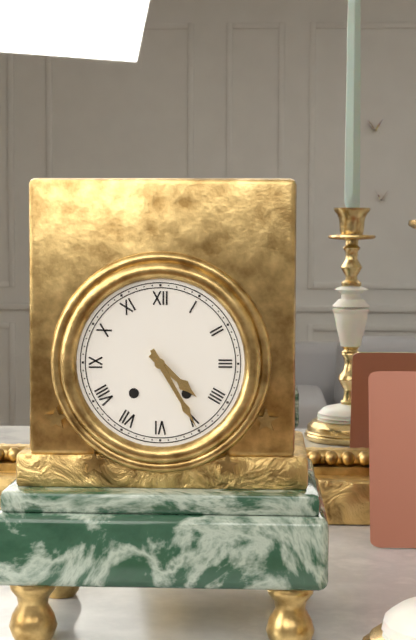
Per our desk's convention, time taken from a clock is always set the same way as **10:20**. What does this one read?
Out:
**4:25**
